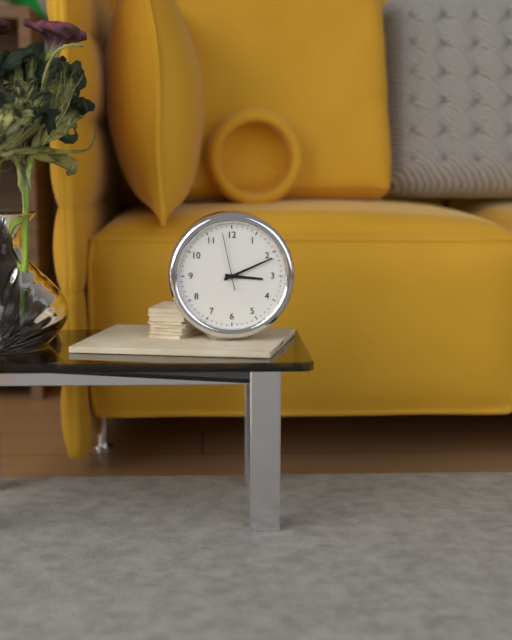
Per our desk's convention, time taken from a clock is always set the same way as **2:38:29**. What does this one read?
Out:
**3:11:58**
